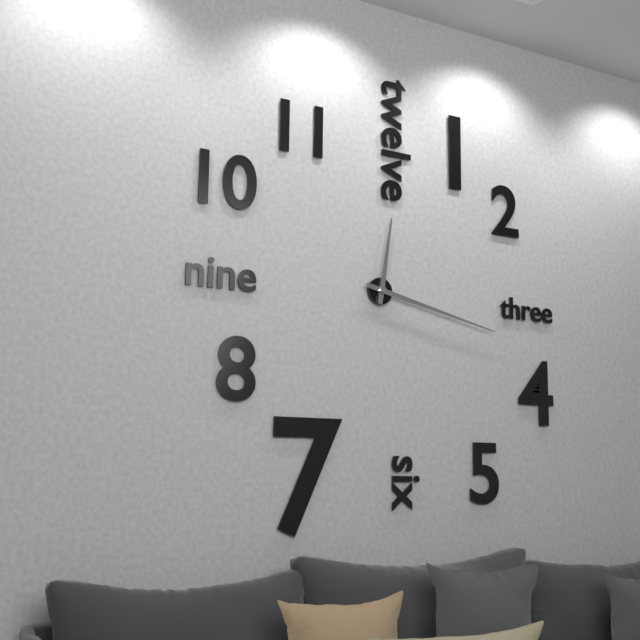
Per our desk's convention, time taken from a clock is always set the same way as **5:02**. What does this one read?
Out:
**12:17**
